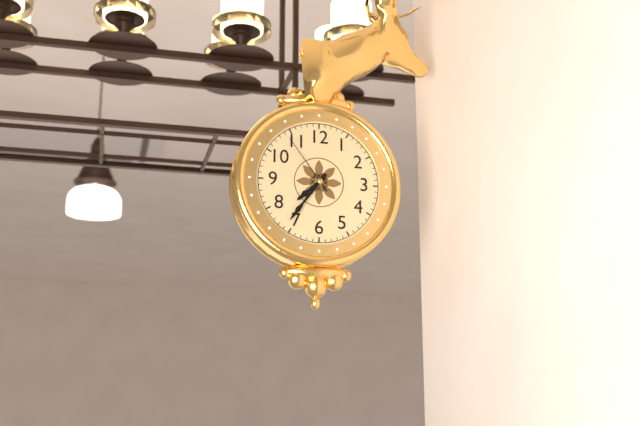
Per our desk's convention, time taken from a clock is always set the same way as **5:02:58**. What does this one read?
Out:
**7:36:54**
